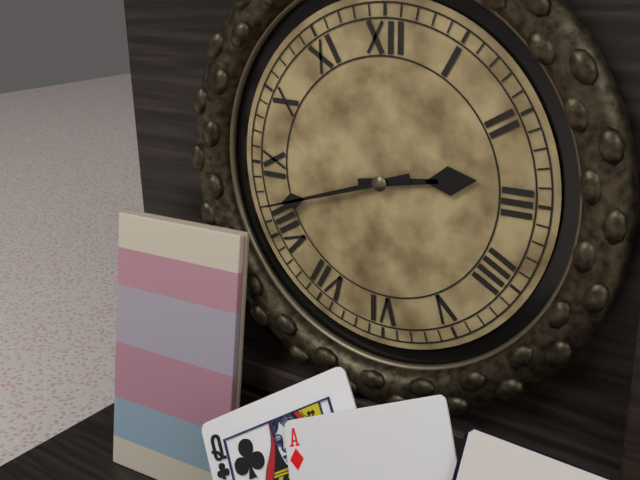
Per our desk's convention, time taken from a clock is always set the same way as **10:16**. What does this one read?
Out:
**2:42**
